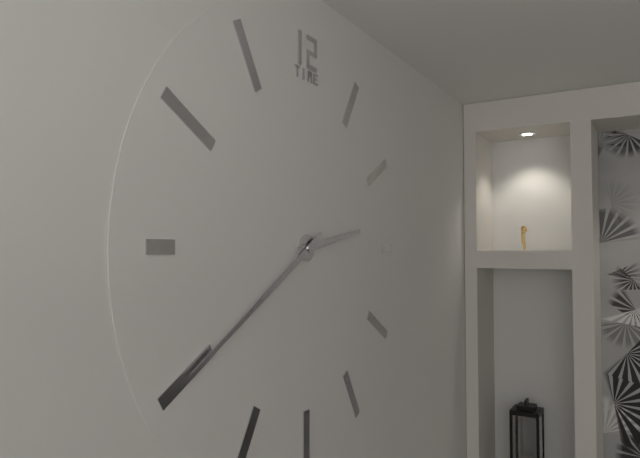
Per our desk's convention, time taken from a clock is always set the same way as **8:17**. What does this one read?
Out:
**2:40**
